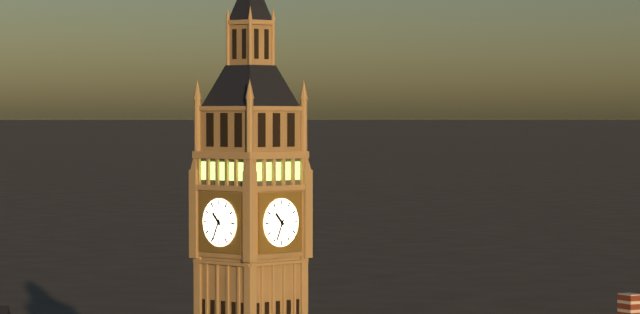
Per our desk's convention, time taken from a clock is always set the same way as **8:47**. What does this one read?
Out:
**10:34**
